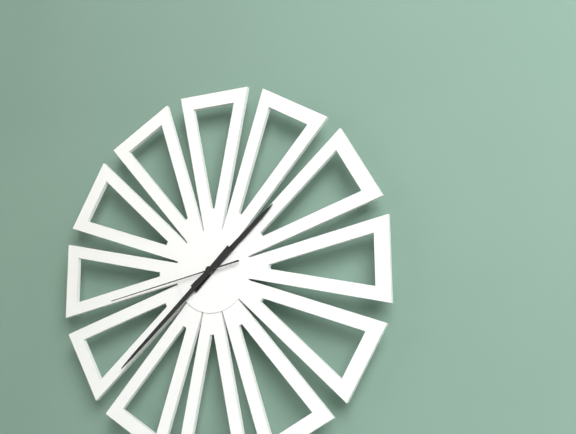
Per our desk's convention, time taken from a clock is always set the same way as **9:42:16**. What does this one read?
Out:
**1:38:43**
